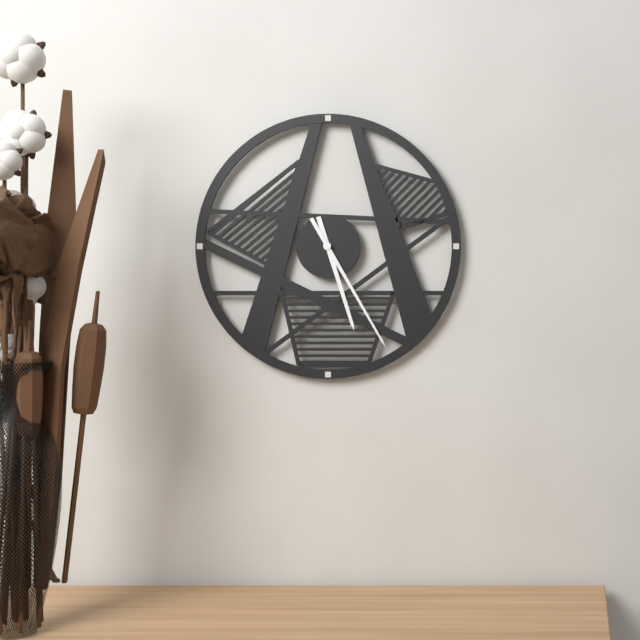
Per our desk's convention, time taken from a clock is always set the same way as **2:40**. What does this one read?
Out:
**5:25**
